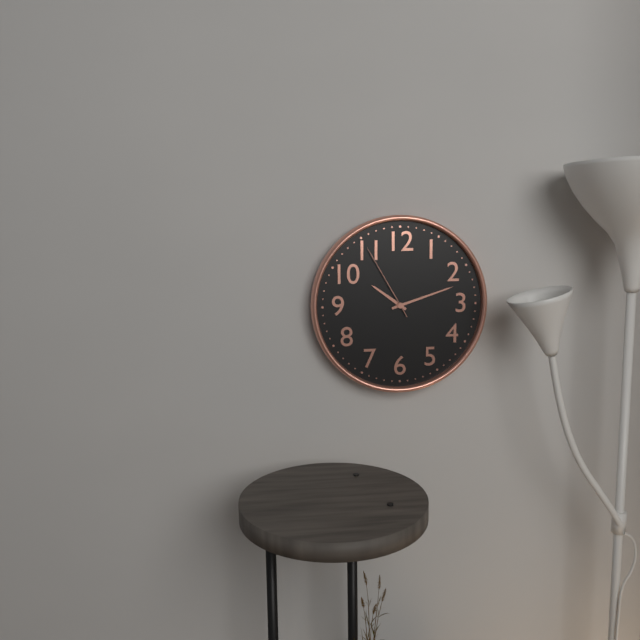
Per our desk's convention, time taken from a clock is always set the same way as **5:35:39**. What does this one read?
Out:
**10:12:55**
